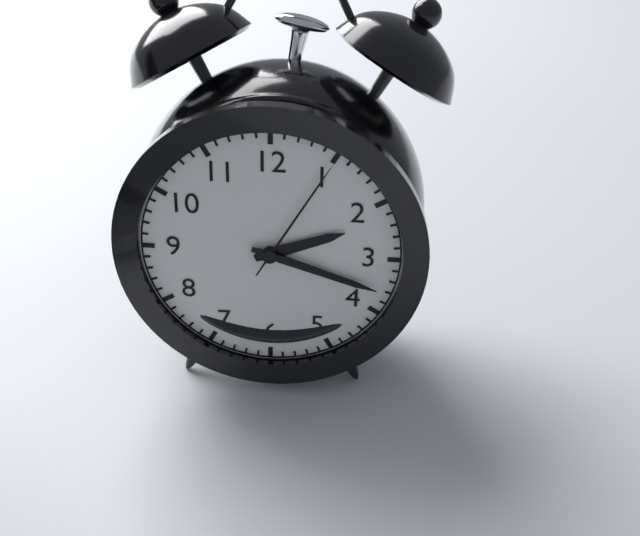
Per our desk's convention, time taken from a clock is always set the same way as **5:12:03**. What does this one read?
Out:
**2:18:05**
